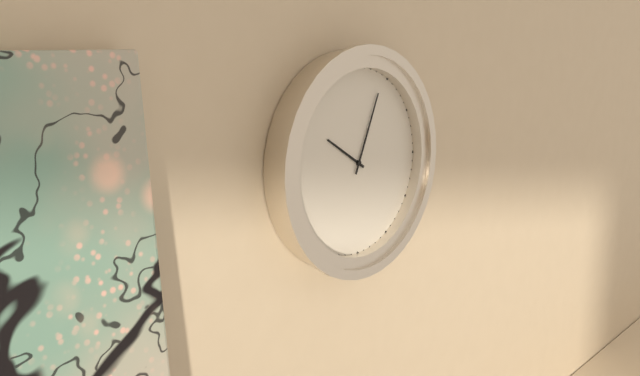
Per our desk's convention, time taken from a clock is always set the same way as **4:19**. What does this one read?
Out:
**10:04**
